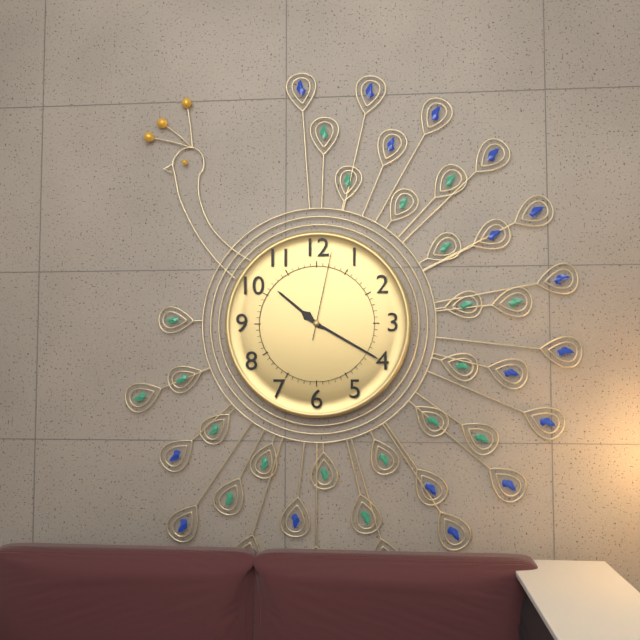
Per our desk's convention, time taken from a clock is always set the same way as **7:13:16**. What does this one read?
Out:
**10:20:02**
